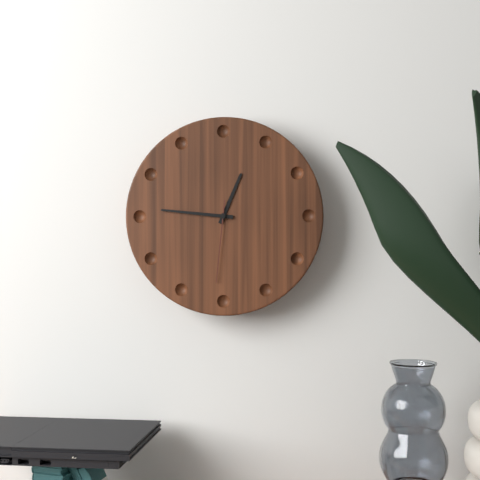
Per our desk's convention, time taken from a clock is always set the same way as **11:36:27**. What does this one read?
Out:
**12:46:31**
